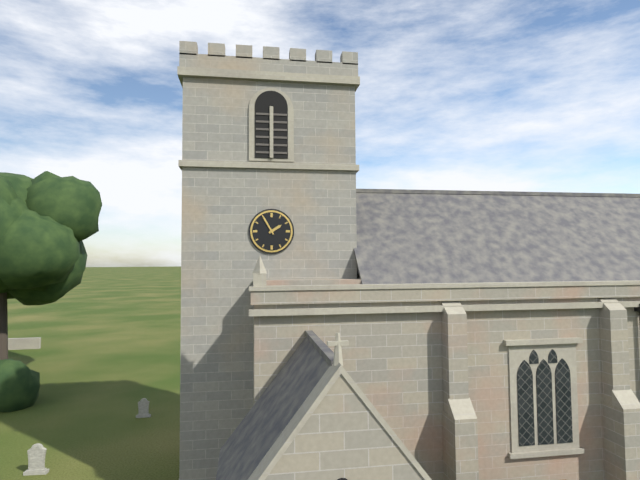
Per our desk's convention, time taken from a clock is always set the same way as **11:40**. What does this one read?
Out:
**1:55**
